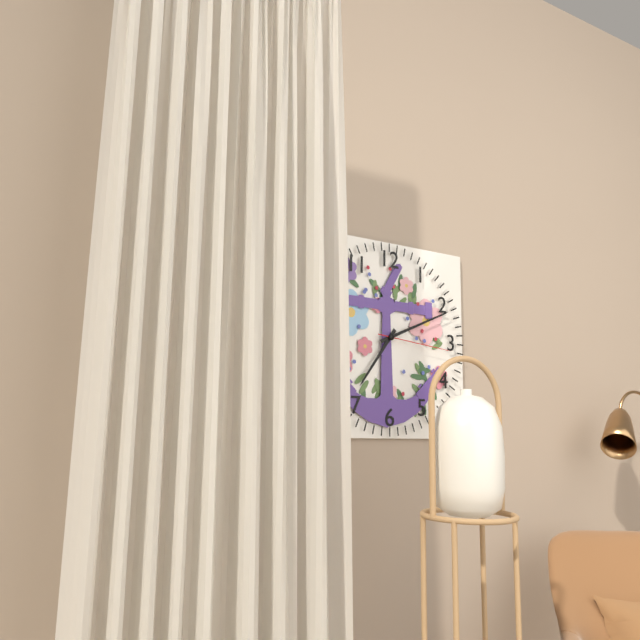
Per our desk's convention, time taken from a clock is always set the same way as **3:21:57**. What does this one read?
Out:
**7:11:16**
